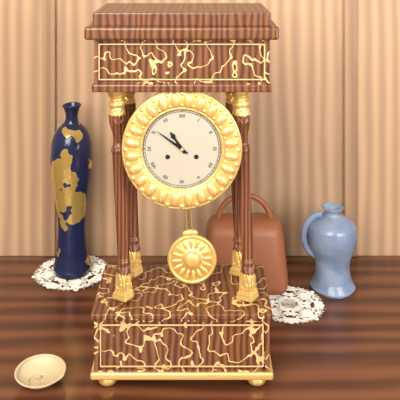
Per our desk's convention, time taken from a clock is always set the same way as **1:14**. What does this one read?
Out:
**10:51**
